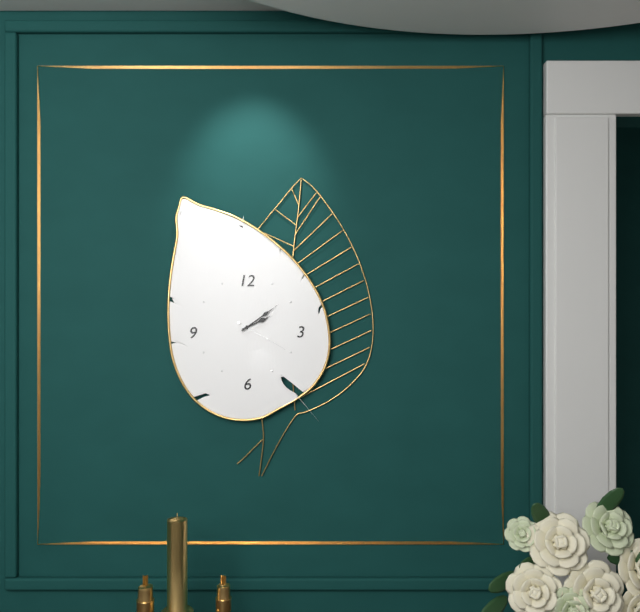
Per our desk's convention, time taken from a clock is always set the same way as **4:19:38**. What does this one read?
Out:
**2:09:20**
